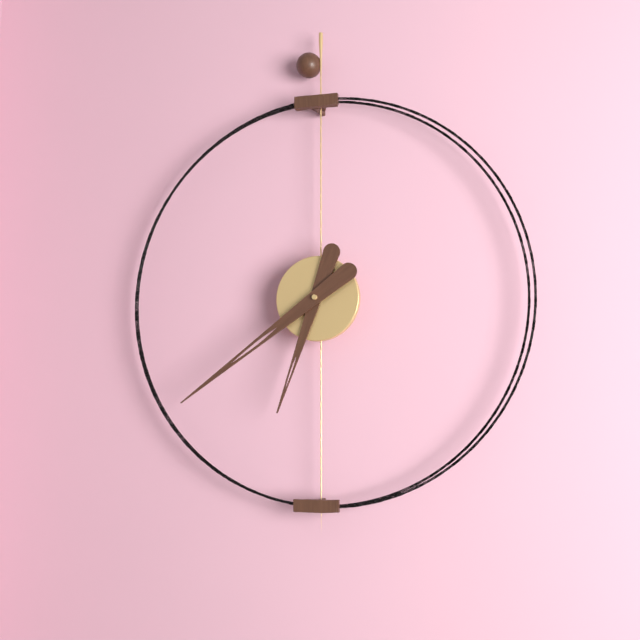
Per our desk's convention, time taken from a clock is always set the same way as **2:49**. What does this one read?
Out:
**6:39**
